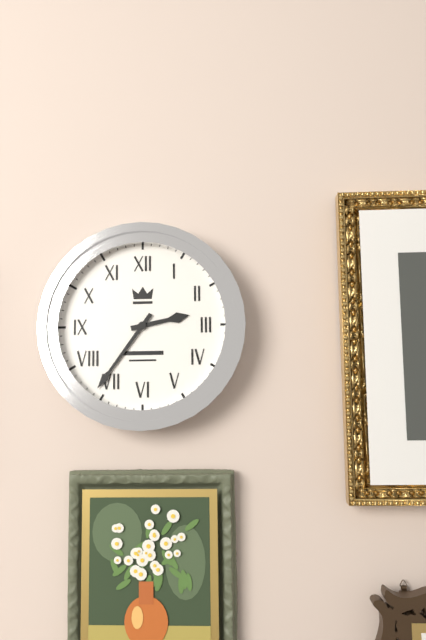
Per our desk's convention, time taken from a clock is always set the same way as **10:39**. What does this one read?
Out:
**2:36**
